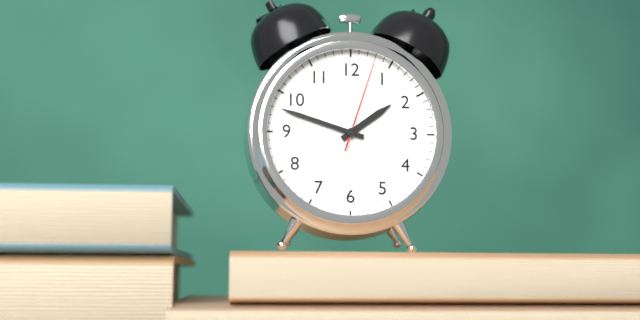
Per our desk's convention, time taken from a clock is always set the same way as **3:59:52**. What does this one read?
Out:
**1:48:03**
